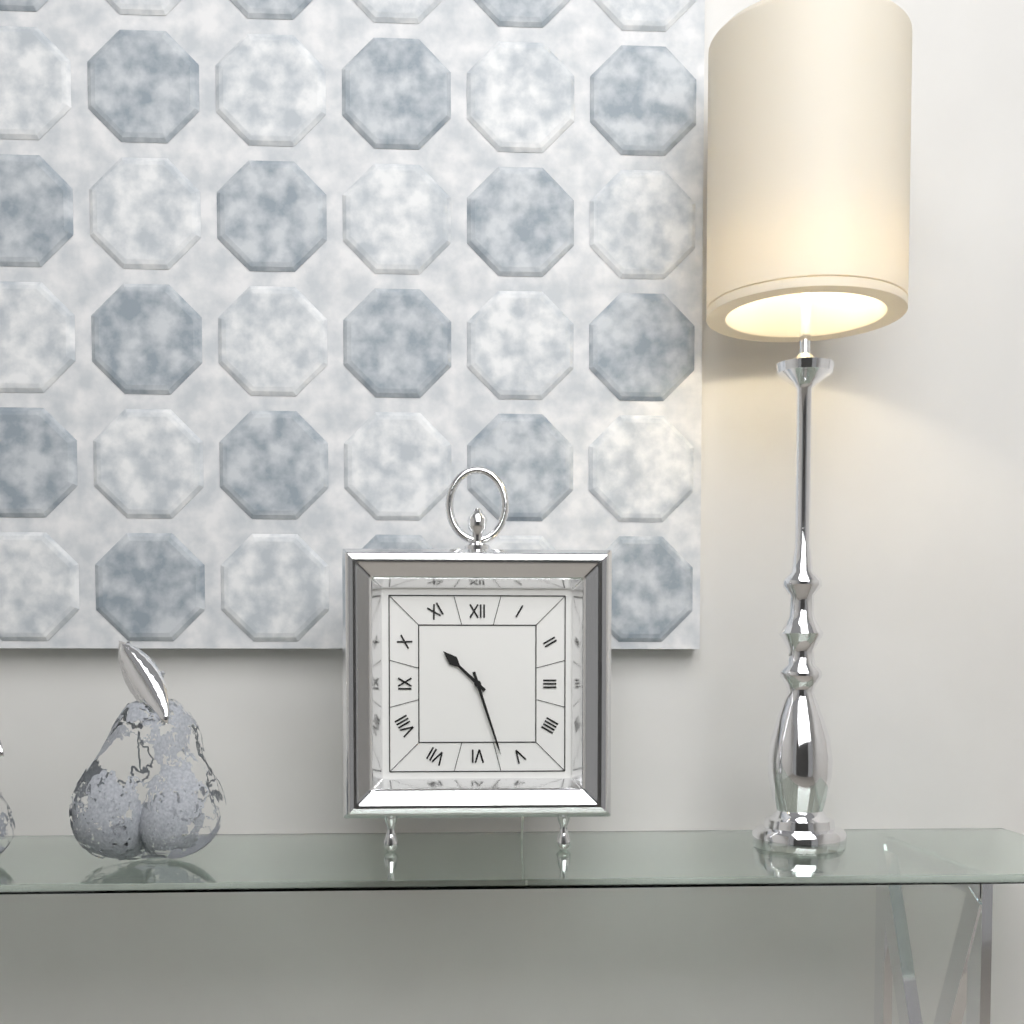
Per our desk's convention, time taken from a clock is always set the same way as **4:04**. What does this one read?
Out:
**10:27**
